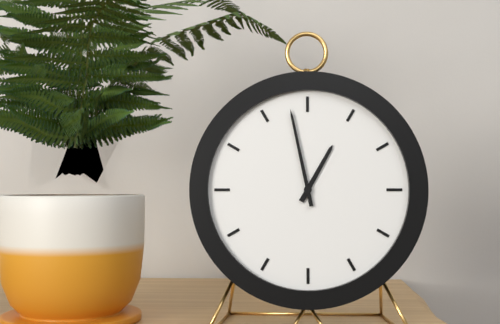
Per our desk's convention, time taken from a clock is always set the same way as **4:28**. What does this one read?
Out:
**12:58**
